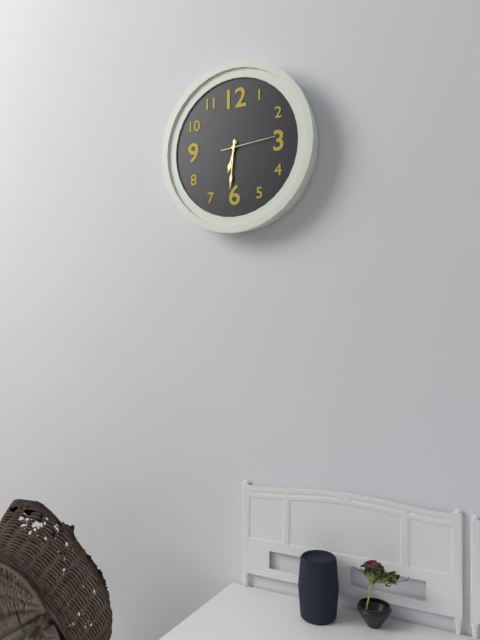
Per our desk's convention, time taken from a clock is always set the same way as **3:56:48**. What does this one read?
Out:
**6:31:14**
